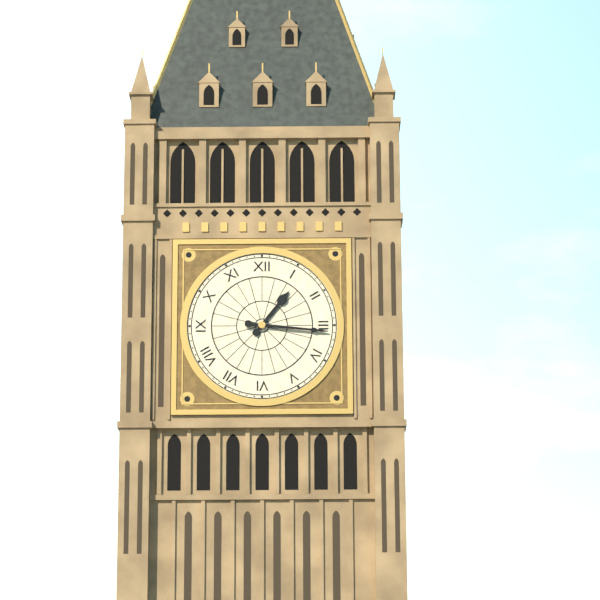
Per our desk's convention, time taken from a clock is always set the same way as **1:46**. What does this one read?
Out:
**1:16**
